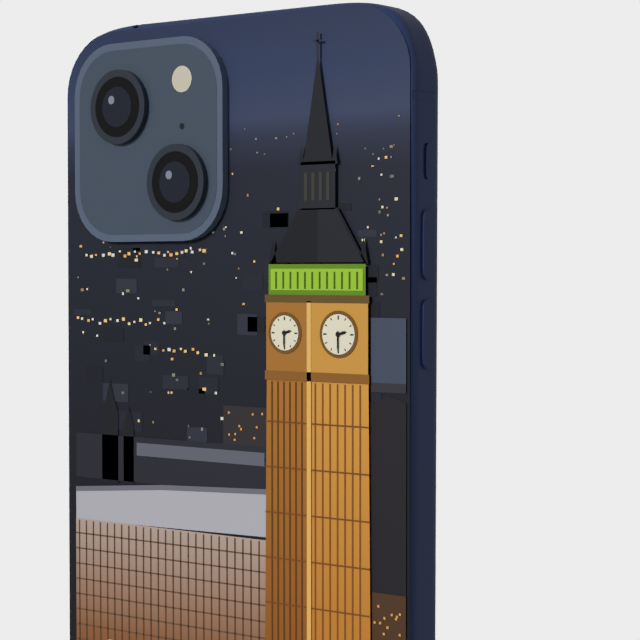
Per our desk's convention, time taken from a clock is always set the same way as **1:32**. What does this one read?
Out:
**2:30**
